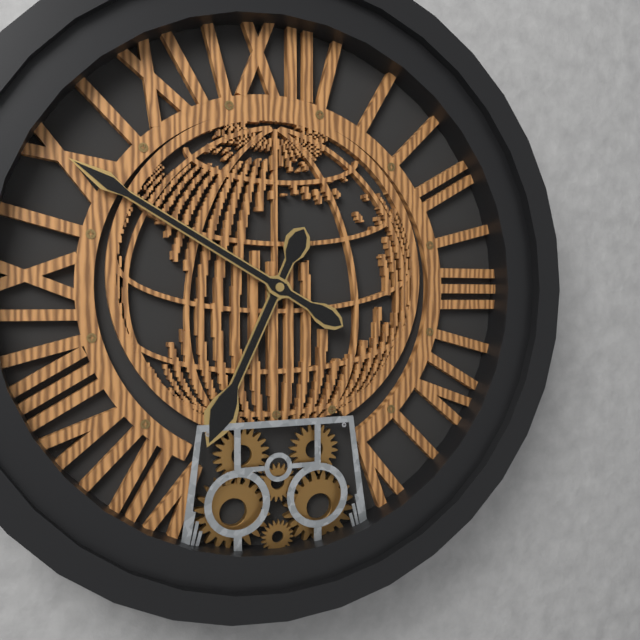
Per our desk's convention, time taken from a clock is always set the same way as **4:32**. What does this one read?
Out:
**6:50**
